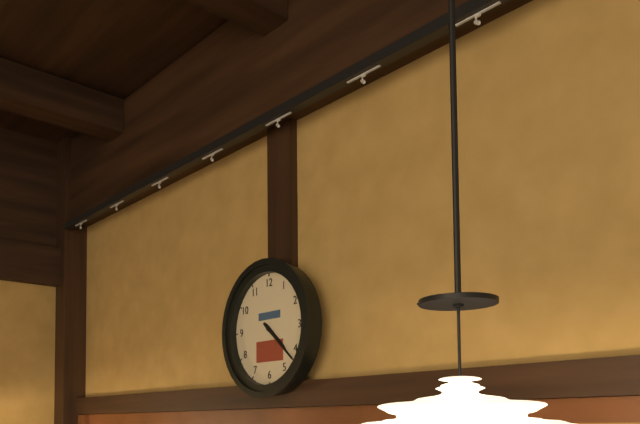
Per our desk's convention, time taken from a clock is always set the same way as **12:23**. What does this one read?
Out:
**4:22**
